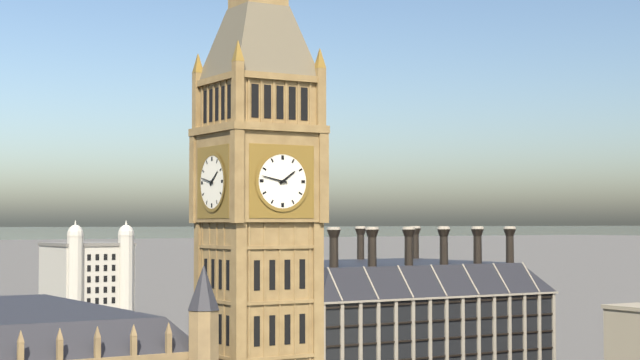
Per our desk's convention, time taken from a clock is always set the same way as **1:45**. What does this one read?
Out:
**1:47**
